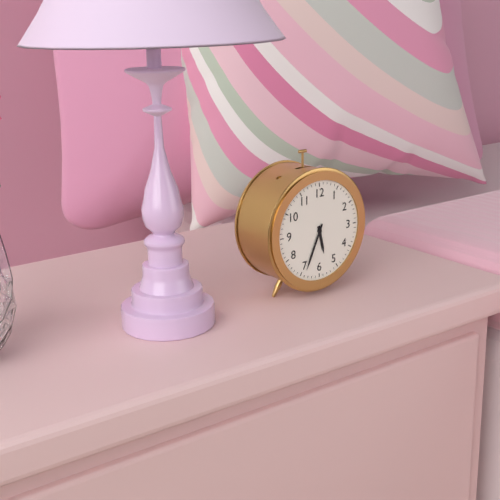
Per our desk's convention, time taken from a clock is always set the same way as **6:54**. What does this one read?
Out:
**5:34**
